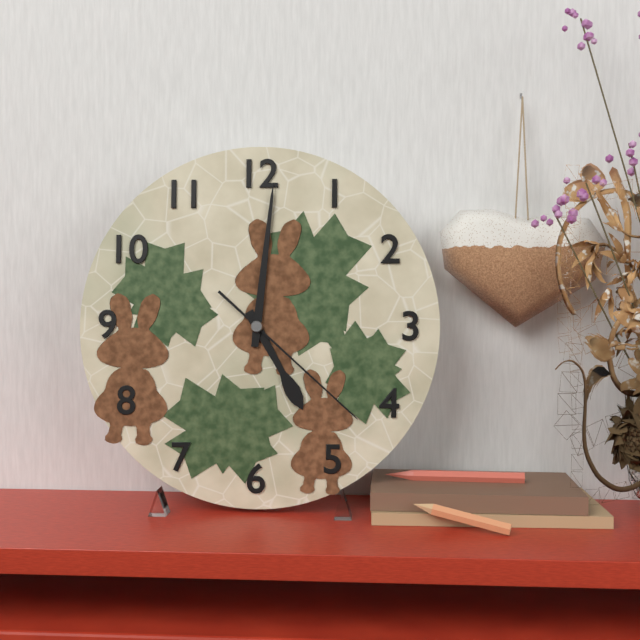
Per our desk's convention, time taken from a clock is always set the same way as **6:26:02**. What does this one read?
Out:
**5:01:22**
